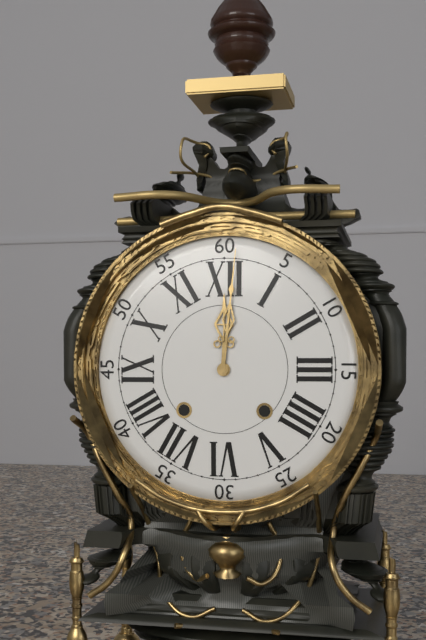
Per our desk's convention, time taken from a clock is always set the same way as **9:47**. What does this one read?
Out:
**12:01**
